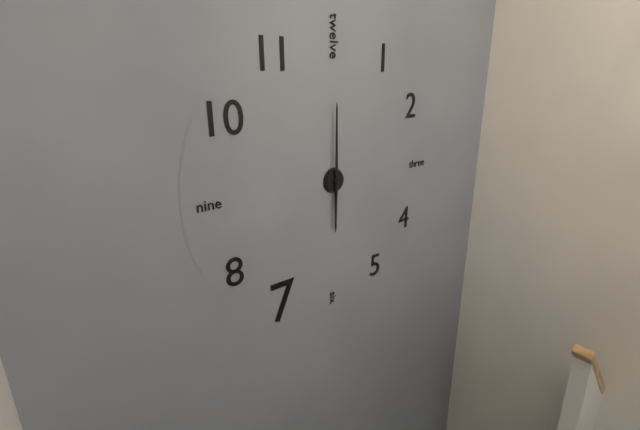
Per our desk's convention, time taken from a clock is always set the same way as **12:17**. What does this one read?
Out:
**6:00**
